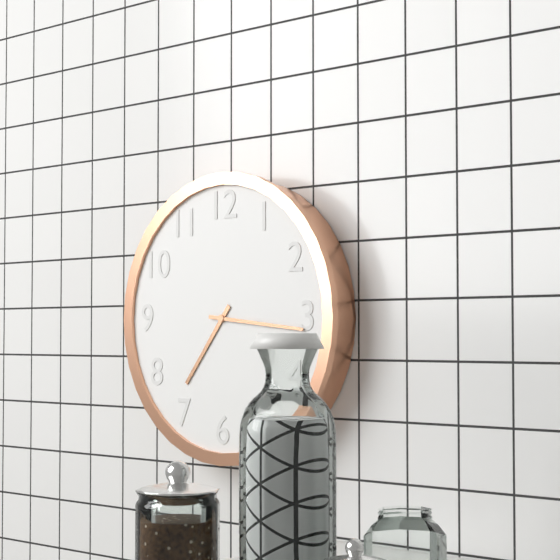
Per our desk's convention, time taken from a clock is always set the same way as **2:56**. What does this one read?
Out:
**7:16**
